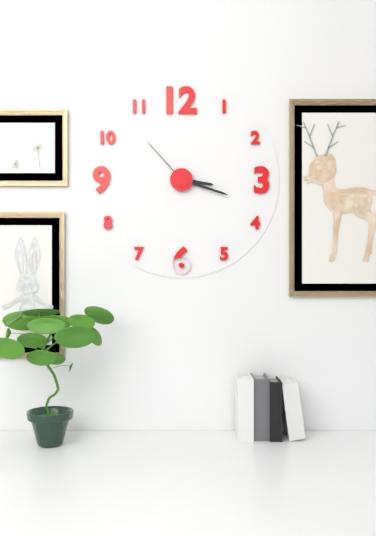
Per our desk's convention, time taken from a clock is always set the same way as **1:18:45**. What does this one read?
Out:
**3:18:53**
